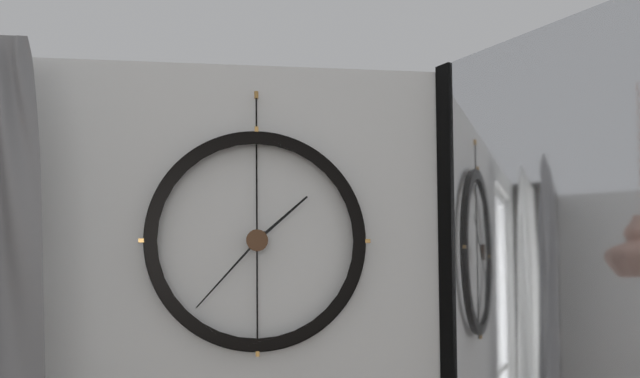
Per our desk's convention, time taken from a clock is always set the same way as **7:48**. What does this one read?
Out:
**1:37**
